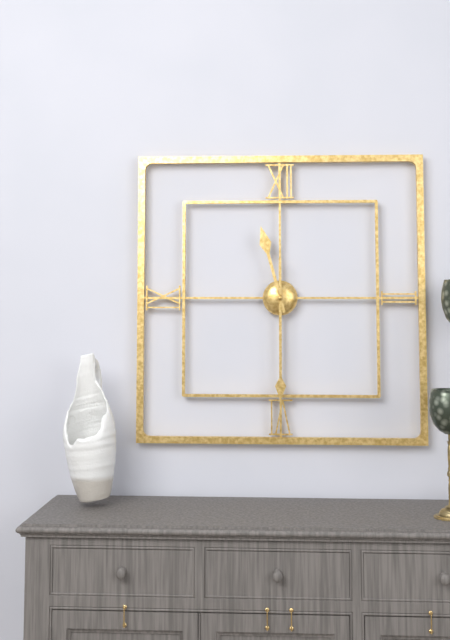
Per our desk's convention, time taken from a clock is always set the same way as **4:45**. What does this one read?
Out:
**11:30**
